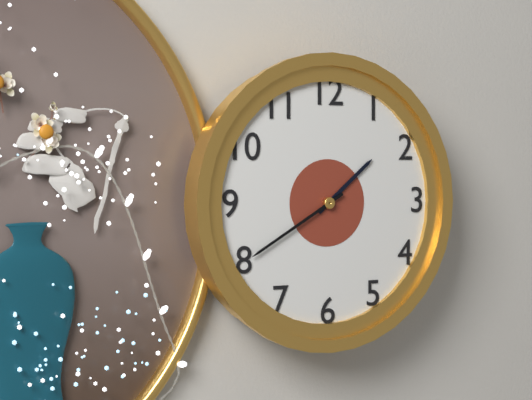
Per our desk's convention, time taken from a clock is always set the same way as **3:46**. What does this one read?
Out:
**1:40**
